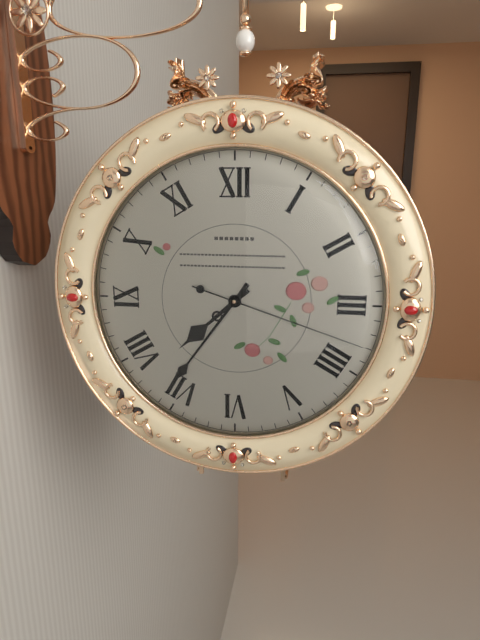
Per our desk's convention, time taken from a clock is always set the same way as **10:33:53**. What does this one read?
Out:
**7:36:18**
